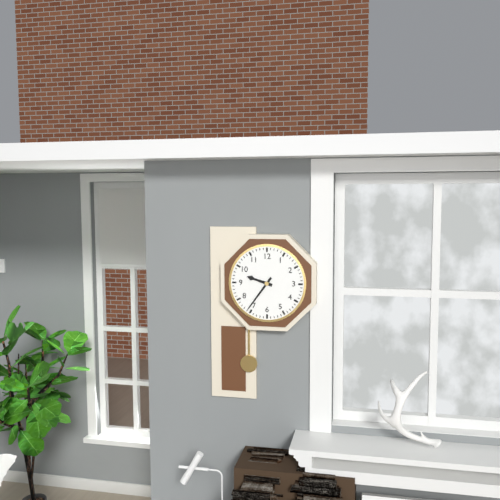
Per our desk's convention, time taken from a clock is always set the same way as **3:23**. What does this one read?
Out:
**9:36**
